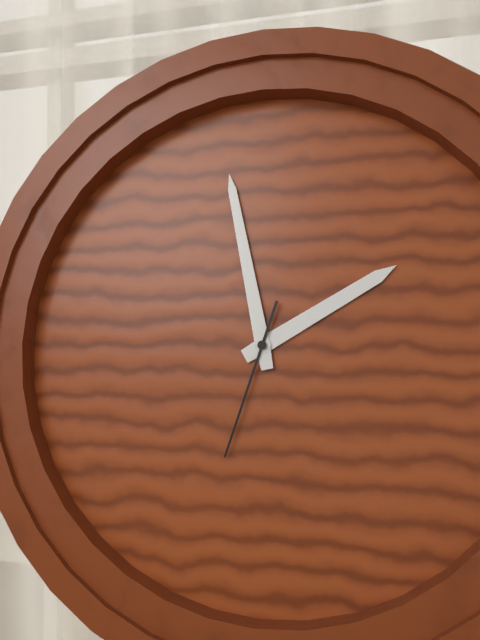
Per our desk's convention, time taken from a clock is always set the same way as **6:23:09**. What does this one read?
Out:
**1:58:33**
